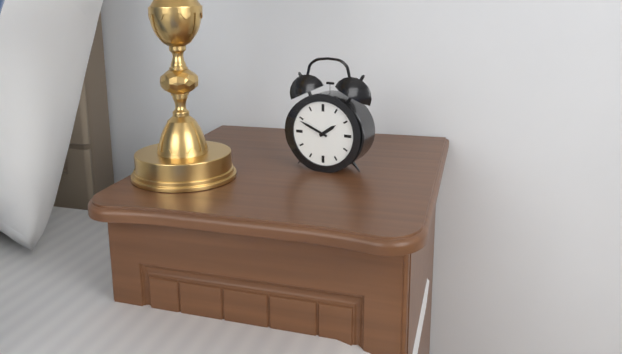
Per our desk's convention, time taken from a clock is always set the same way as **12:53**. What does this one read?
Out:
**1:49**
